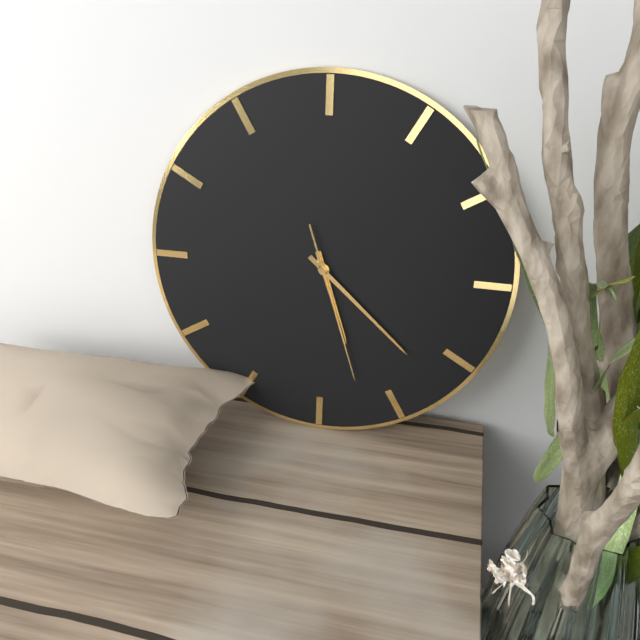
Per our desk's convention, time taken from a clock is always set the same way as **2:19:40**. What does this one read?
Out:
**5:22:27**
